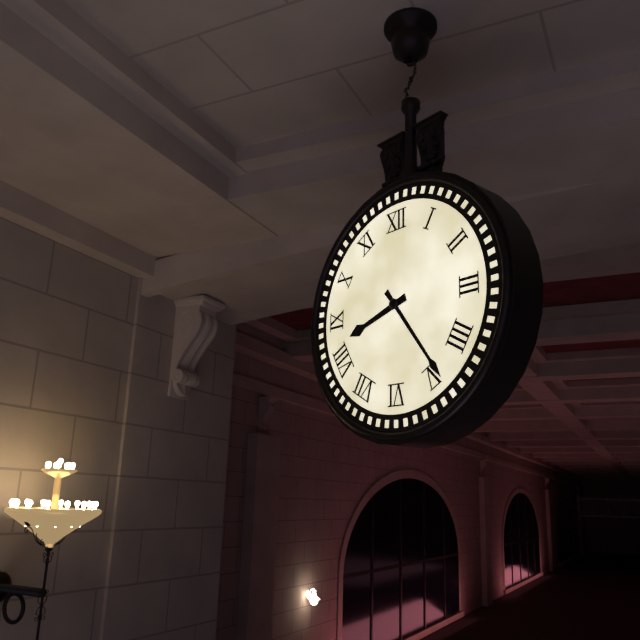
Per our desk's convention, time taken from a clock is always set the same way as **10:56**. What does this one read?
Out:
**8:24**
